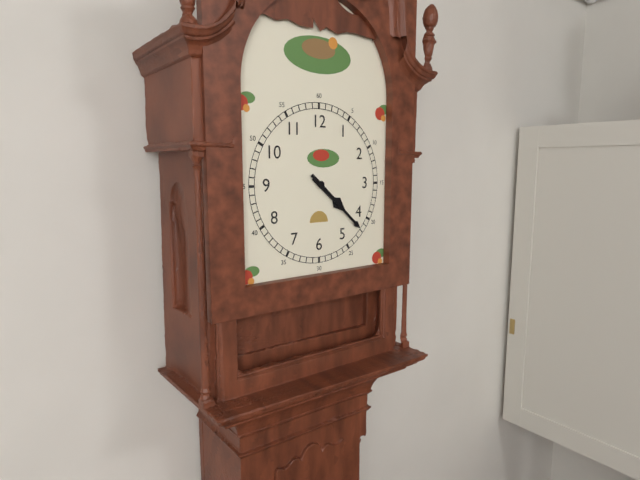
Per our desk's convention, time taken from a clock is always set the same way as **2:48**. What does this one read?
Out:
**4:22**
